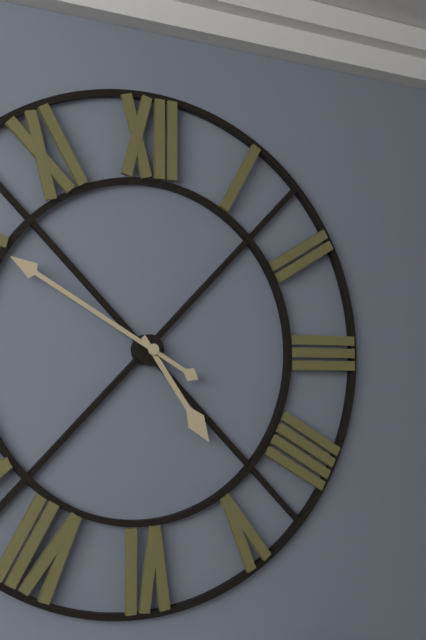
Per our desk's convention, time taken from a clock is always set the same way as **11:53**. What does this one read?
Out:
**4:50**
